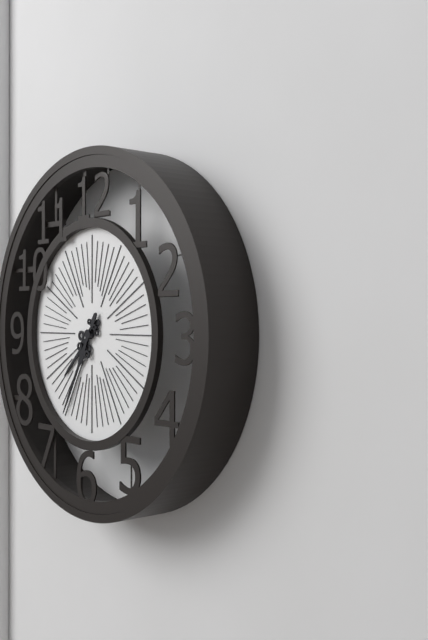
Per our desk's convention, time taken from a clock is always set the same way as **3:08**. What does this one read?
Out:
**7:35**
